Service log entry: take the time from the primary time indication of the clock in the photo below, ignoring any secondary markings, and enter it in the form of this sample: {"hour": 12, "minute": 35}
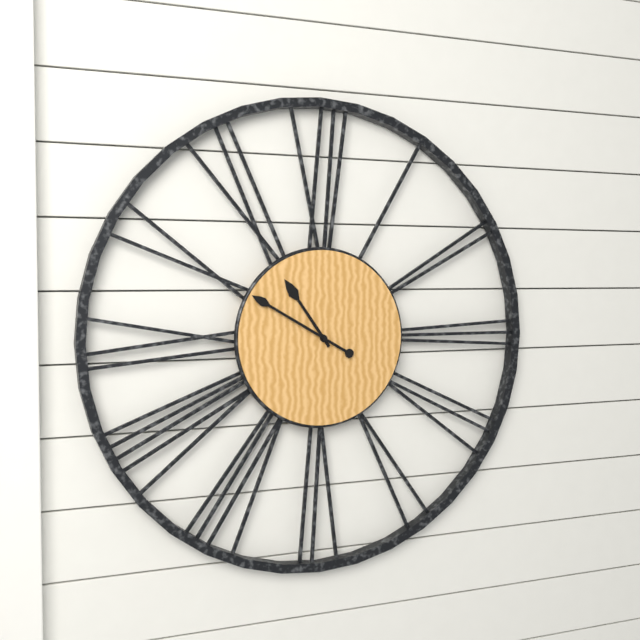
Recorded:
{"hour": 10, "minute": 50}
